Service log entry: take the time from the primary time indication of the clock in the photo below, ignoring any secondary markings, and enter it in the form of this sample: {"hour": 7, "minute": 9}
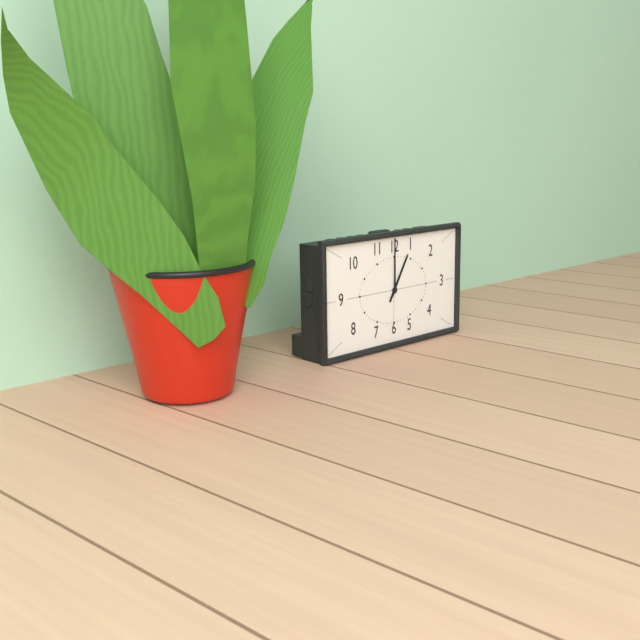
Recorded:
{"hour": 1, "minute": 0}
